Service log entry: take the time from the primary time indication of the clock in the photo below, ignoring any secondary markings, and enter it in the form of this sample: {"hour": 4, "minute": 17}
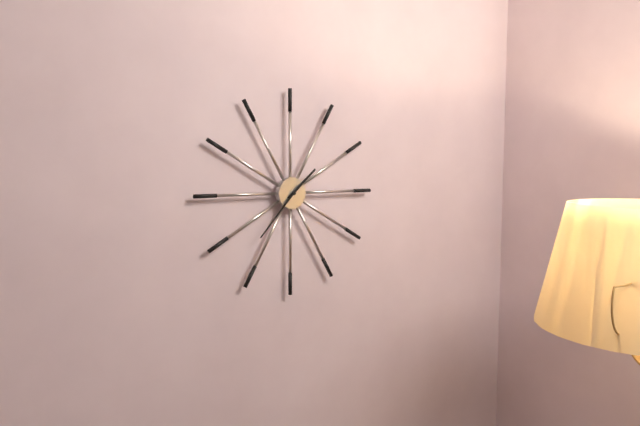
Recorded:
{"hour": 1, "minute": 37}
